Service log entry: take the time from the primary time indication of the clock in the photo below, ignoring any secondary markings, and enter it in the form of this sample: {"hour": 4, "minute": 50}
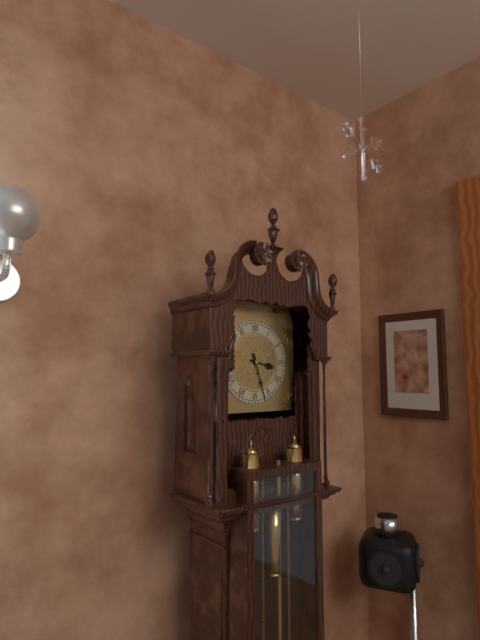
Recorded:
{"hour": 3, "minute": 27}
